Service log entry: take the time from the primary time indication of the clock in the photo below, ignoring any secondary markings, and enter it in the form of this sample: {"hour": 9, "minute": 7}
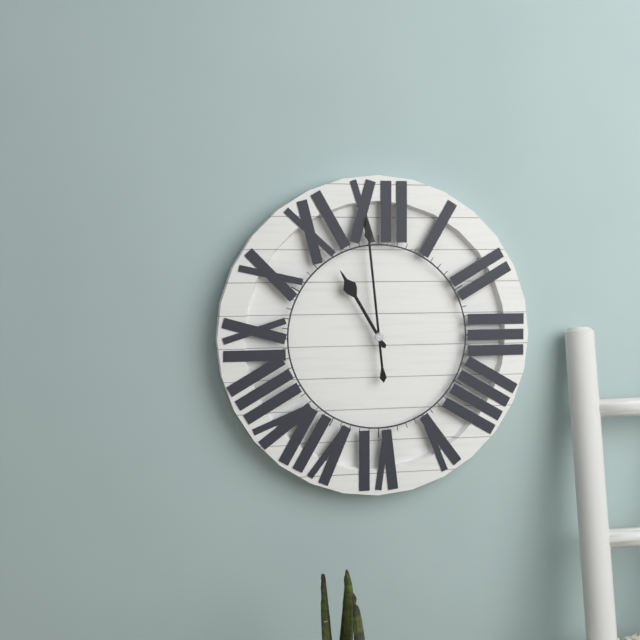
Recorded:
{"hour": 10, "minute": 59}
